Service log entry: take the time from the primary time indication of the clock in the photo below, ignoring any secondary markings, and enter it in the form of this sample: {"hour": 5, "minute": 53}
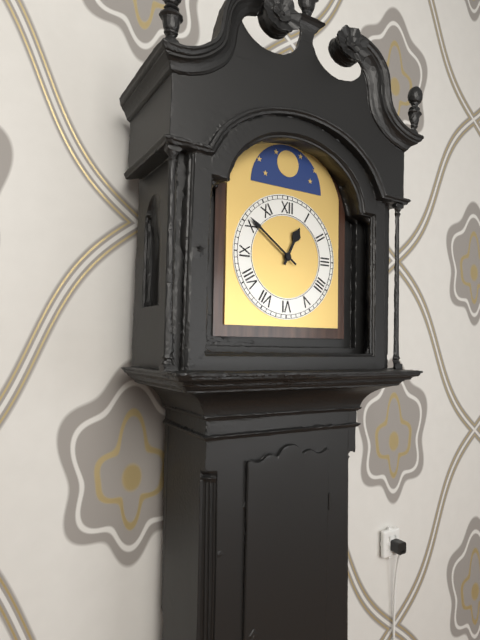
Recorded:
{"hour": 12, "minute": 51}
